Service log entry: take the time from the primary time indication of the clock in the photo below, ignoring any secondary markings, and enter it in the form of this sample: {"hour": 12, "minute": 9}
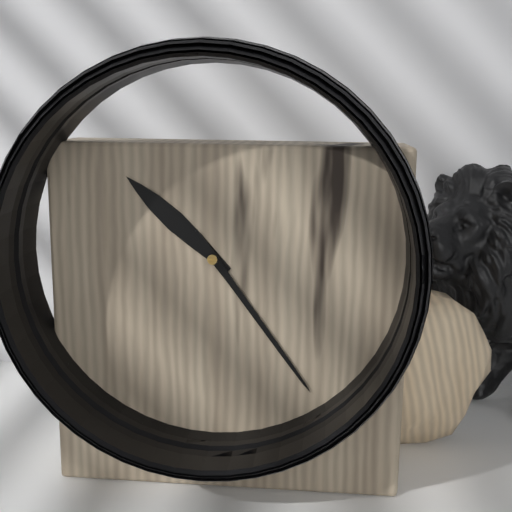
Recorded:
{"hour": 10, "minute": 24}
